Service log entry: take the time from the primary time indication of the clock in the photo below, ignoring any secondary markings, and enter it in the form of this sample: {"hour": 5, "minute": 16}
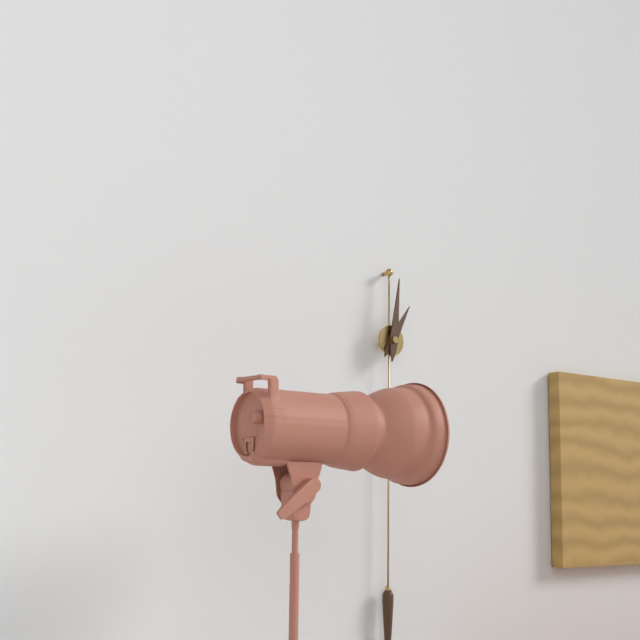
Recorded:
{"hour": 1, "minute": 1}
